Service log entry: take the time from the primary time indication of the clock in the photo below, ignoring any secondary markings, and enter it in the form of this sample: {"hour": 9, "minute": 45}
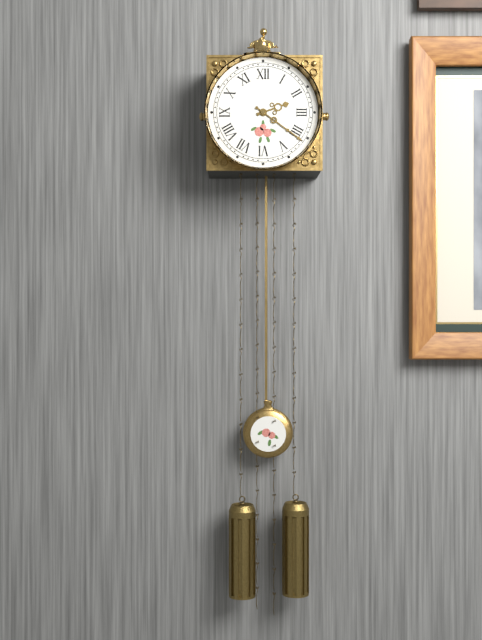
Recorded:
{"hour": 2, "minute": 21}
